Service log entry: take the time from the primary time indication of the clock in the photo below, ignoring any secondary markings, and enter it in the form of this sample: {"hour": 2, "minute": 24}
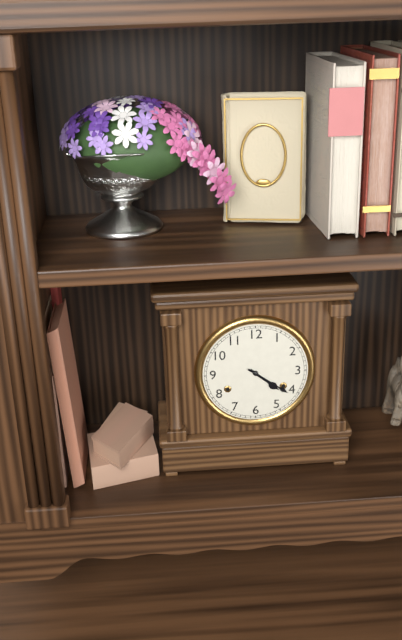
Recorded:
{"hour": 4, "minute": 21}
